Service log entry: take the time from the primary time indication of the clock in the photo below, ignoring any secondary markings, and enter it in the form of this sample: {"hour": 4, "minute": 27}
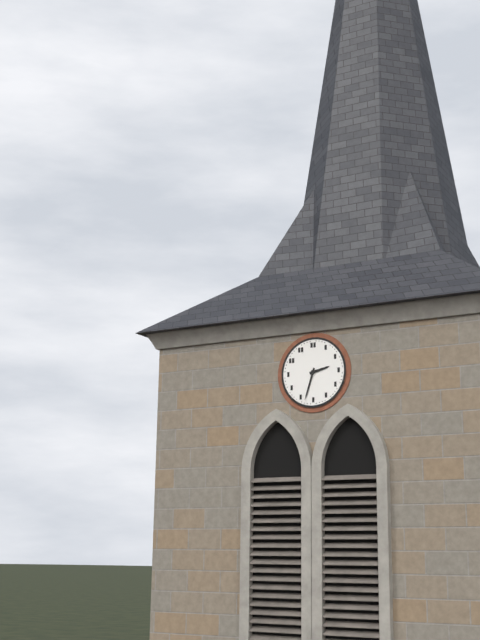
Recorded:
{"hour": 2, "minute": 33}
